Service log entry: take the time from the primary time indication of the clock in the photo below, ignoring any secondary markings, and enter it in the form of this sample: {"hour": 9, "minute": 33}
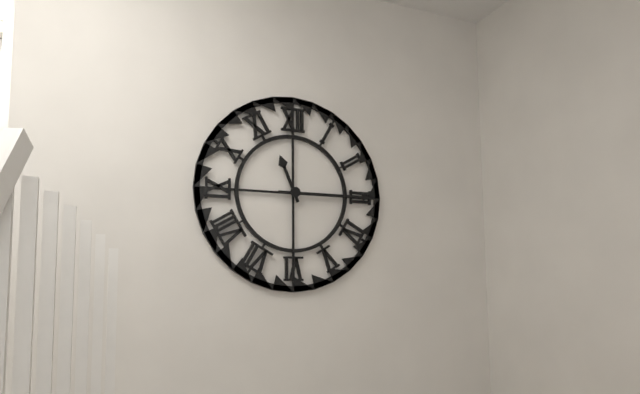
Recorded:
{"hour": 11, "minute": 15}
